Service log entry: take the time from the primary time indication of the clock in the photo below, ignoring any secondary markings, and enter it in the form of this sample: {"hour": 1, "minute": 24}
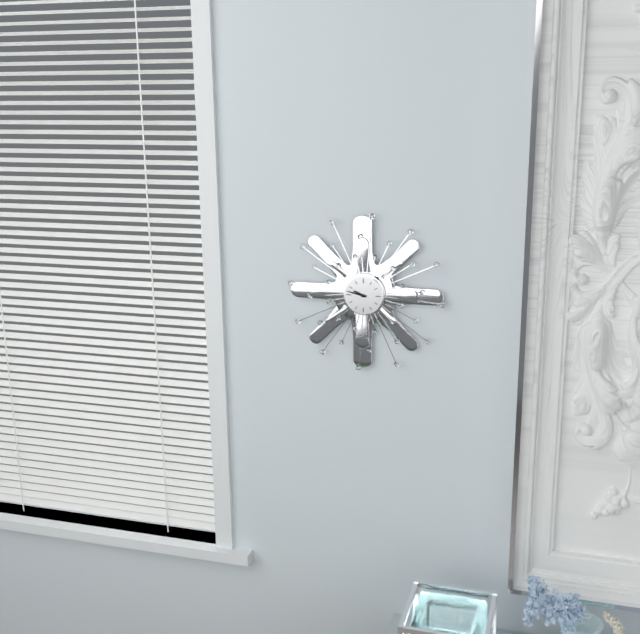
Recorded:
{"hour": 9, "minute": 47}
